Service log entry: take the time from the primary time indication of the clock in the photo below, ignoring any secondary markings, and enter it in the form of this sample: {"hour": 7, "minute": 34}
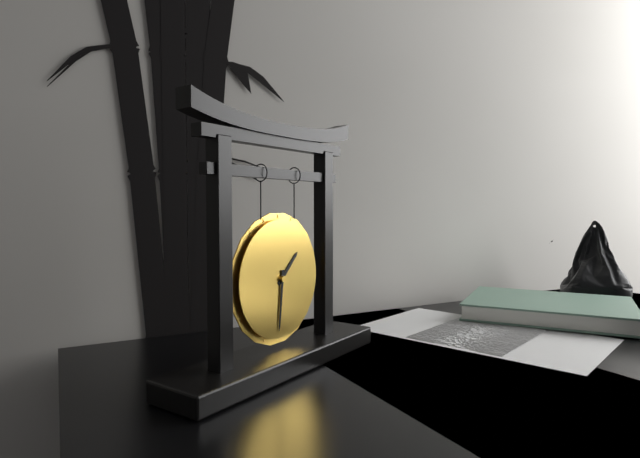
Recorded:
{"hour": 1, "minute": 31}
